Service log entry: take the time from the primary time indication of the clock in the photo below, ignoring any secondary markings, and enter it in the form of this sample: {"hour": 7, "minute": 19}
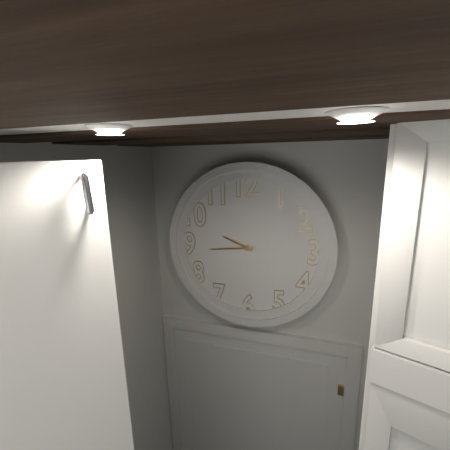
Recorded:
{"hour": 9, "minute": 44}
